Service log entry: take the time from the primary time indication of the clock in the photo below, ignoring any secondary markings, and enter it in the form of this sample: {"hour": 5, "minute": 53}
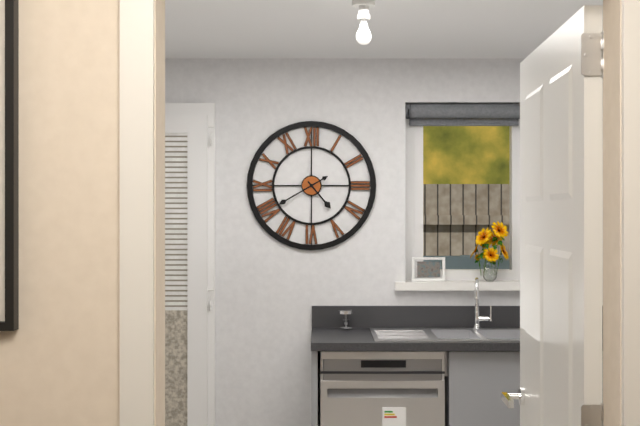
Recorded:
{"hour": 4, "minute": 40}
